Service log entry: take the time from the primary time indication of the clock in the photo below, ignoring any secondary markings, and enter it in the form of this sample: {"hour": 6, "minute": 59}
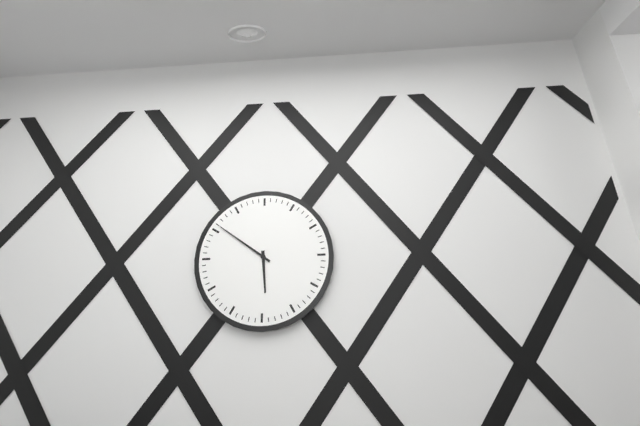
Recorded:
{"hour": 5, "minute": 51}
